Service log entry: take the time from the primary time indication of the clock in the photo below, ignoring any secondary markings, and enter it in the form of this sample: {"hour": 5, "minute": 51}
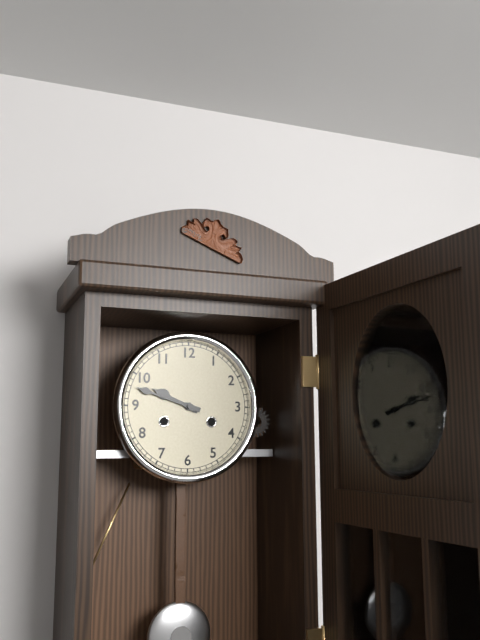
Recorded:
{"hour": 9, "minute": 48}
